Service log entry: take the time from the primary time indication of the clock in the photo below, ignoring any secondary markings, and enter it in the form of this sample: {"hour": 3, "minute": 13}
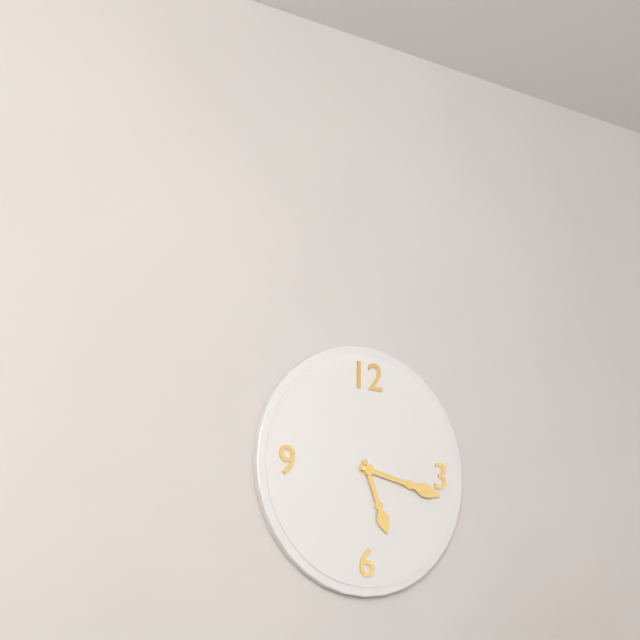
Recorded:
{"hour": 5, "minute": 17}
